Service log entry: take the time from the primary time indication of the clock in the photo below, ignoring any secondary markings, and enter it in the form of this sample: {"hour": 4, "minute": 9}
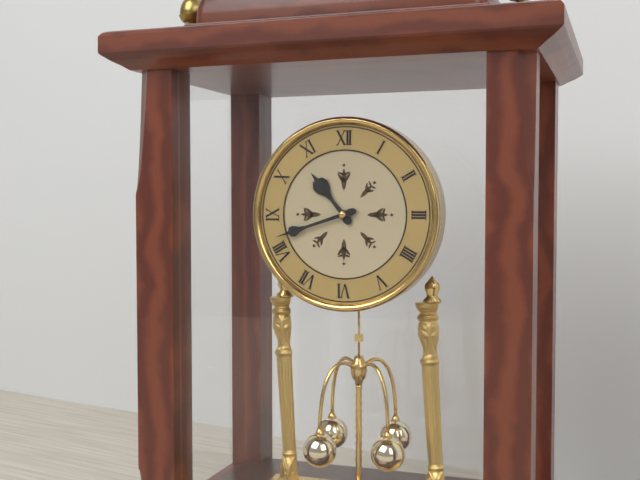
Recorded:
{"hour": 10, "minute": 42}
